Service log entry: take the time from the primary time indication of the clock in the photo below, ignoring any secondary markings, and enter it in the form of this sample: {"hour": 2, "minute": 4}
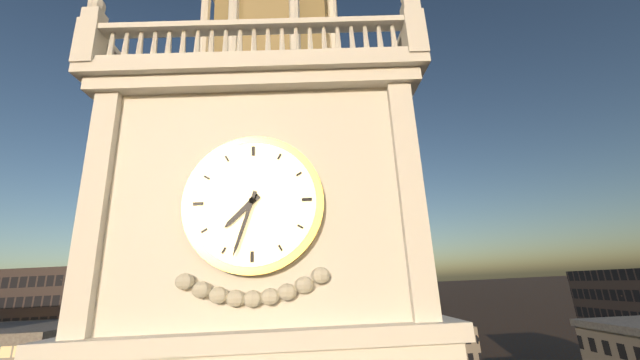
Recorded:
{"hour": 7, "minute": 33}
